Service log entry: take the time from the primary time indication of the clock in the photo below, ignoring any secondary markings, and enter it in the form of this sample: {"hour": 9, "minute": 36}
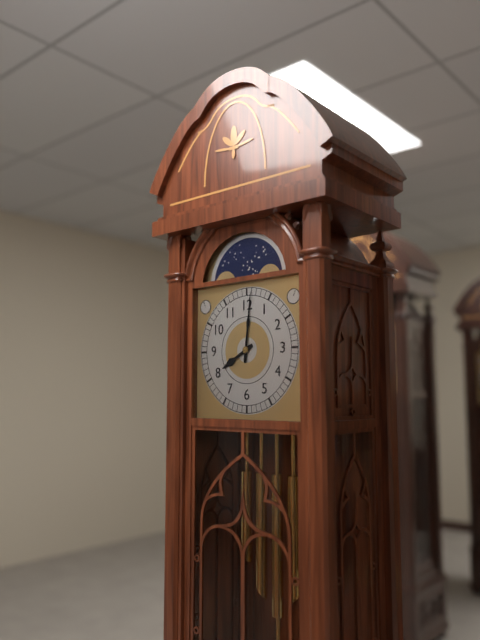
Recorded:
{"hour": 8, "minute": 1}
